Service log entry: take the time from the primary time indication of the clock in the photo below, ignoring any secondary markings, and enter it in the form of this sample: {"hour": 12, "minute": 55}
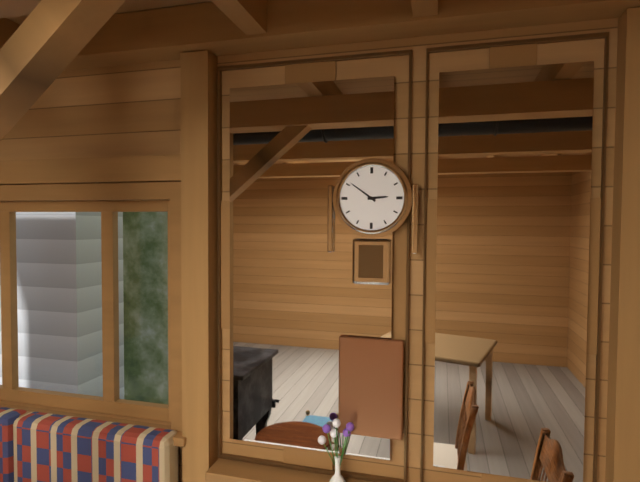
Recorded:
{"hour": 2, "minute": 51}
